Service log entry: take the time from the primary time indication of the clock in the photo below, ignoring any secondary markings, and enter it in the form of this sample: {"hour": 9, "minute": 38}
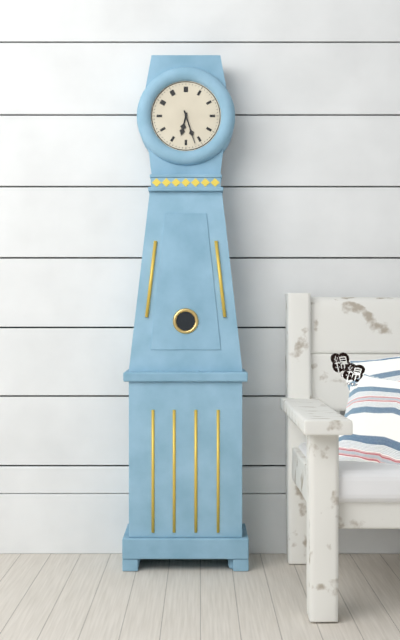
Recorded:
{"hour": 6, "minute": 27}
